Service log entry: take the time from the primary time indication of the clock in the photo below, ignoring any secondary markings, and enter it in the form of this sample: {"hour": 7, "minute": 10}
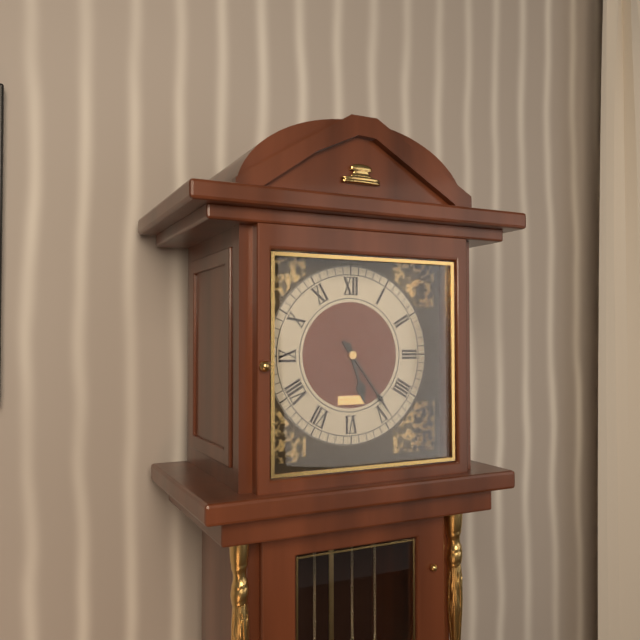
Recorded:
{"hour": 5, "minute": 24}
